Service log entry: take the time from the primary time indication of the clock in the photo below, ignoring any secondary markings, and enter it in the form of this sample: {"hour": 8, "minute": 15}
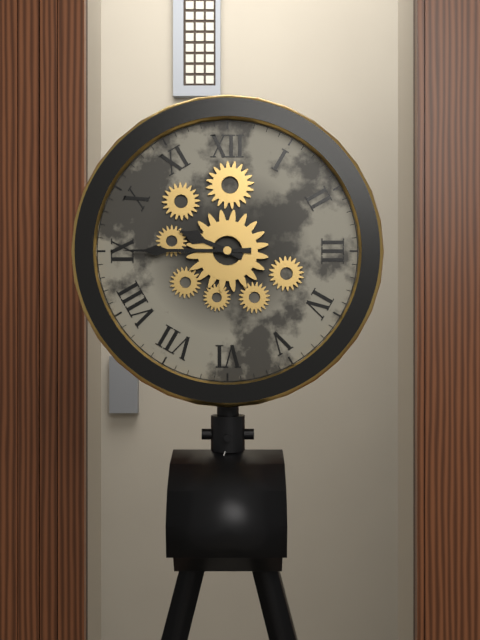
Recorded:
{"hour": 9, "minute": 45}
